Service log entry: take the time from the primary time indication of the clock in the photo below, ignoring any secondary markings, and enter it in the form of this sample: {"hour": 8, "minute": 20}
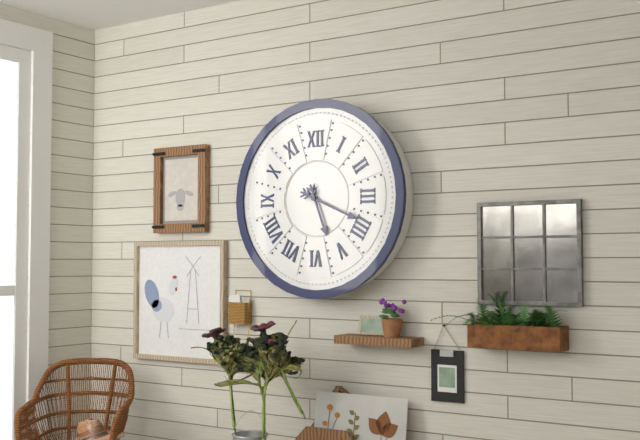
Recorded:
{"hour": 5, "minute": 19}
